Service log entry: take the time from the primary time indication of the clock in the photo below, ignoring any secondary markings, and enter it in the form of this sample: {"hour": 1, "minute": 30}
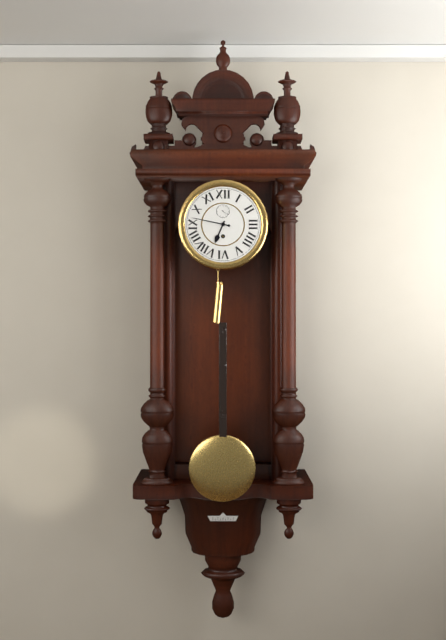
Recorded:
{"hour": 6, "minute": 47}
